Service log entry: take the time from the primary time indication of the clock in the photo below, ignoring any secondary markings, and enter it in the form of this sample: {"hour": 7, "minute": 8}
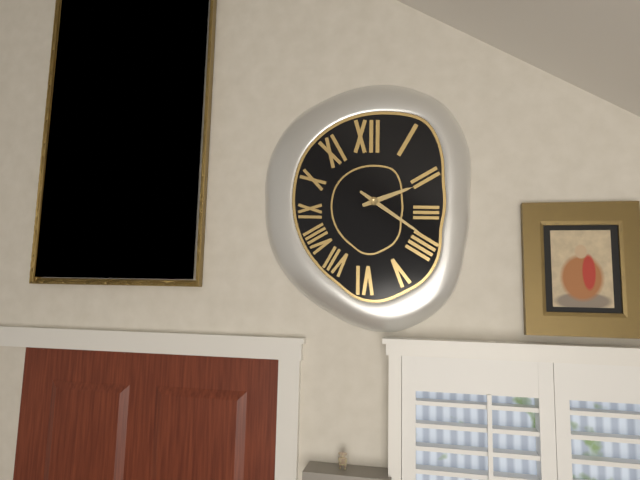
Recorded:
{"hour": 2, "minute": 21}
